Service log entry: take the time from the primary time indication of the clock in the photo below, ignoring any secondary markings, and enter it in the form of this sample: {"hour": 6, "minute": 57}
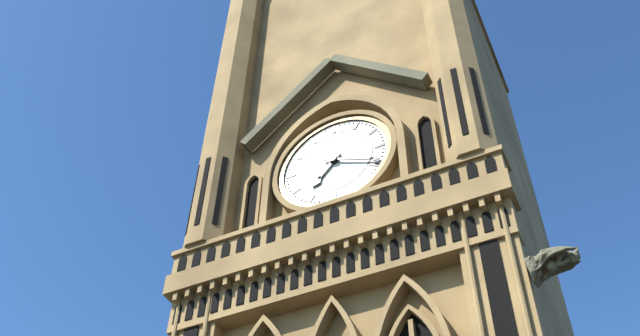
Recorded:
{"hour": 7, "minute": 19}
